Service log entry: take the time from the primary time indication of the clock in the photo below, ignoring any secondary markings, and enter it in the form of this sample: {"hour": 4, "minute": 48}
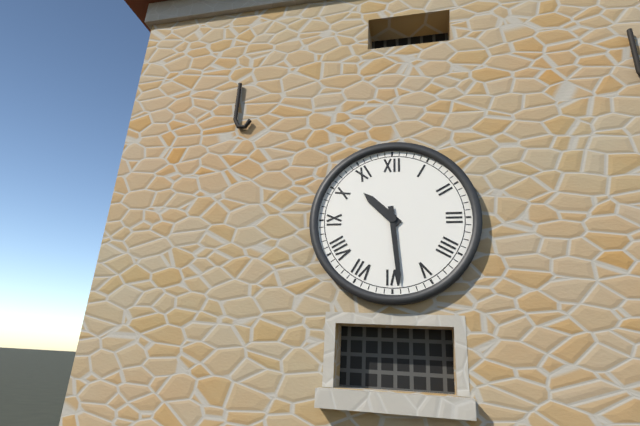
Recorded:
{"hour": 10, "minute": 29}
